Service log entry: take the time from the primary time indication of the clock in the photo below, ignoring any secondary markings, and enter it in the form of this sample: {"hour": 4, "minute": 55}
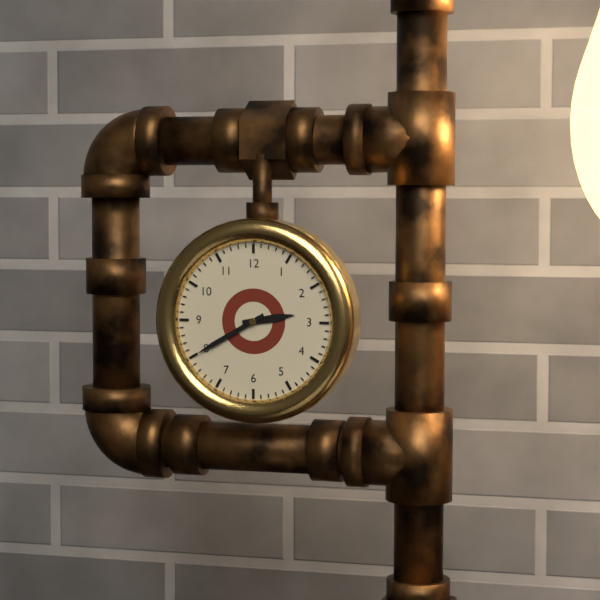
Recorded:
{"hour": 2, "minute": 40}
